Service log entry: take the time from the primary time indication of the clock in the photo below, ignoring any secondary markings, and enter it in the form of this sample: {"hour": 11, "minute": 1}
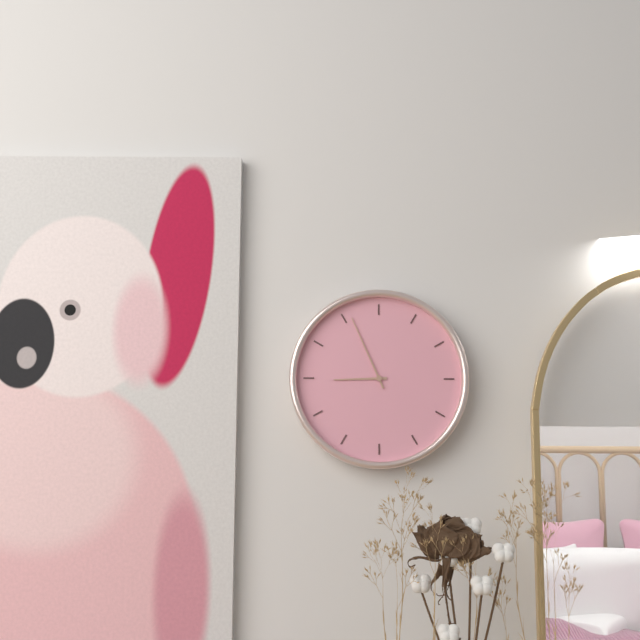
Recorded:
{"hour": 8, "minute": 56}
